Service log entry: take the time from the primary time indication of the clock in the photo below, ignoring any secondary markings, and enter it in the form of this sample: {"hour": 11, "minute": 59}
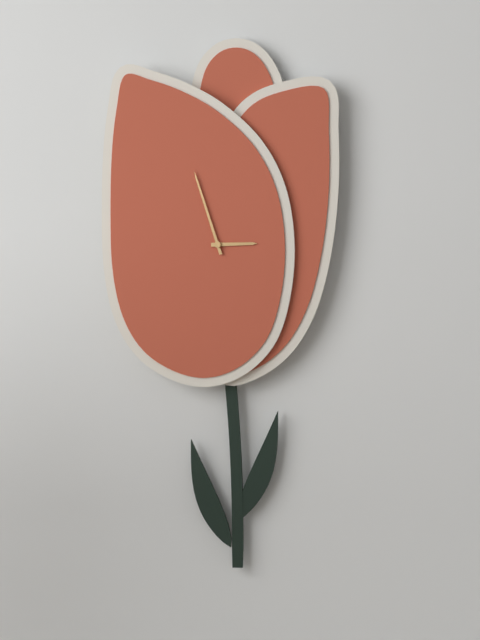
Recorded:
{"hour": 2, "minute": 57}
